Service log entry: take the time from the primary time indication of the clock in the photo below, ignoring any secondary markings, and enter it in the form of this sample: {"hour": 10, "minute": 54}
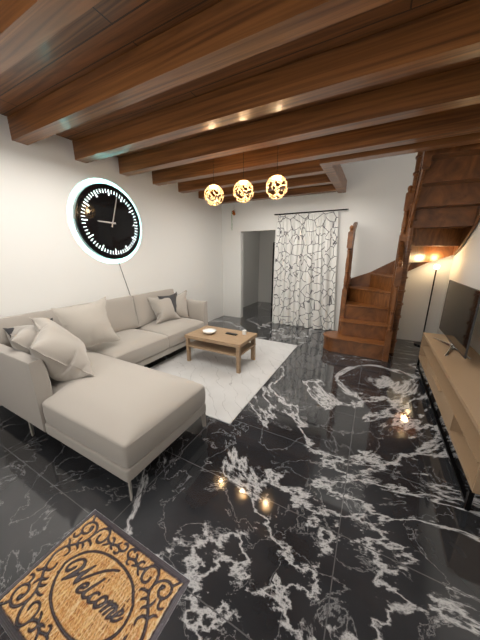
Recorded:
{"hour": 9, "minute": 3}
